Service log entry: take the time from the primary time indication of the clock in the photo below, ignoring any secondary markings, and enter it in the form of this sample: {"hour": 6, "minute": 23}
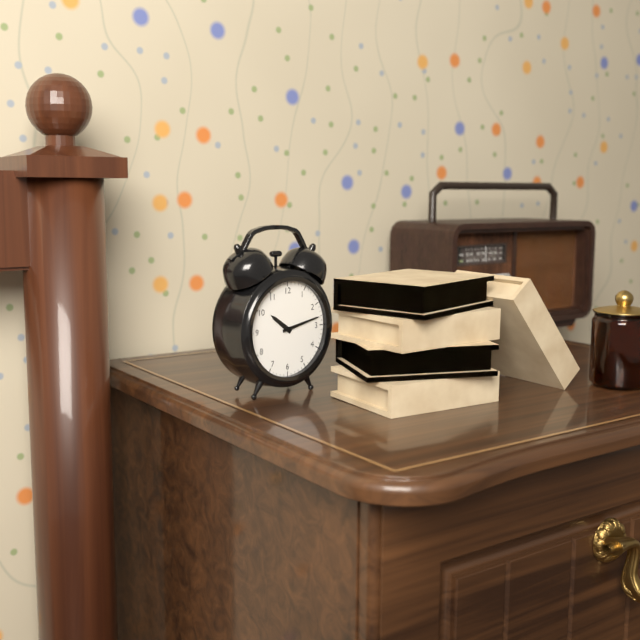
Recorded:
{"hour": 10, "minute": 13}
